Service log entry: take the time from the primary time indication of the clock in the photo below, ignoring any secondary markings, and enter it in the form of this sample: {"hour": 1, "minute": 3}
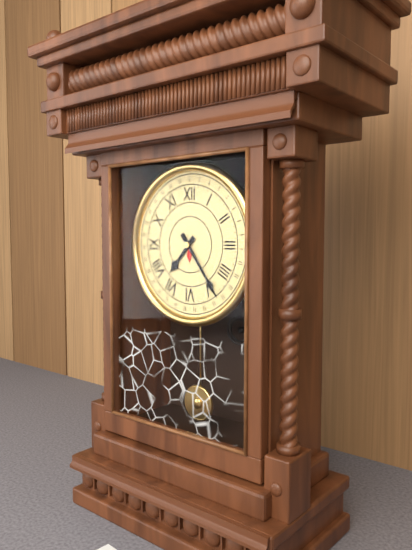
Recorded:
{"hour": 7, "minute": 24}
